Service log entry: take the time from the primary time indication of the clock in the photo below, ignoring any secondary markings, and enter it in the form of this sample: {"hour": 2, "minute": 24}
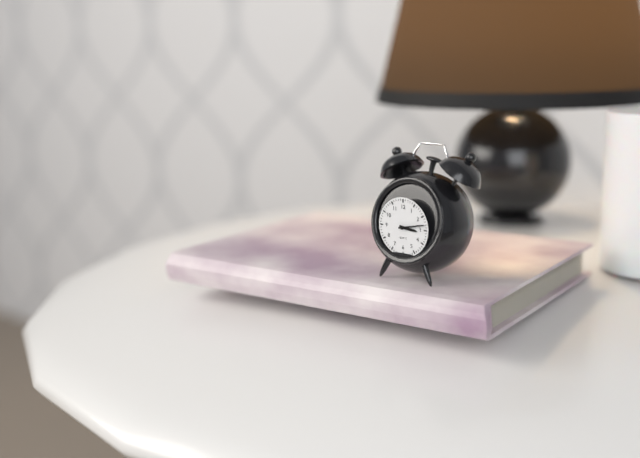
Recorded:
{"hour": 3, "minute": 13}
